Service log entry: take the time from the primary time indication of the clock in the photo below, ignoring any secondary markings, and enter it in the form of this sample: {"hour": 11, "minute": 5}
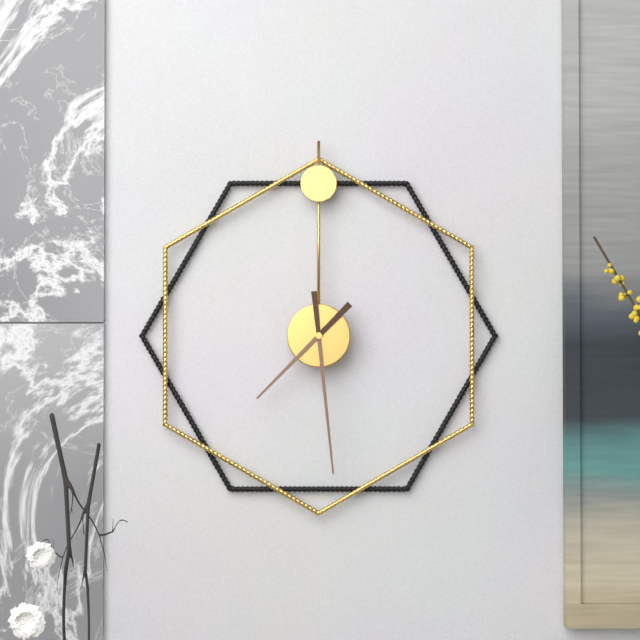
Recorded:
{"hour": 7, "minute": 29}
